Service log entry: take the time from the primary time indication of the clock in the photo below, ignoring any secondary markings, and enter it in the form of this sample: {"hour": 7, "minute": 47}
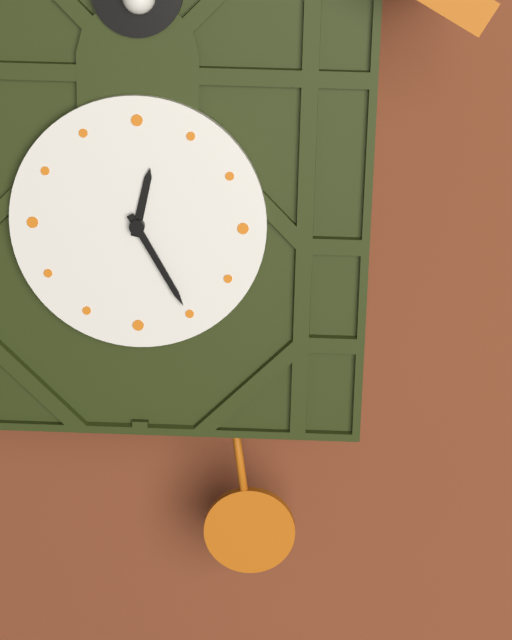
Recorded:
{"hour": 12, "minute": 25}
